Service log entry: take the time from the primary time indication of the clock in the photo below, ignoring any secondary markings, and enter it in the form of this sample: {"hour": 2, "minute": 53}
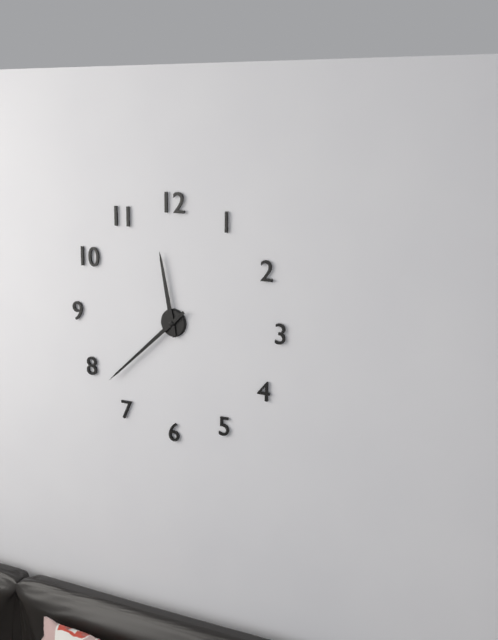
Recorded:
{"hour": 11, "minute": 38}
